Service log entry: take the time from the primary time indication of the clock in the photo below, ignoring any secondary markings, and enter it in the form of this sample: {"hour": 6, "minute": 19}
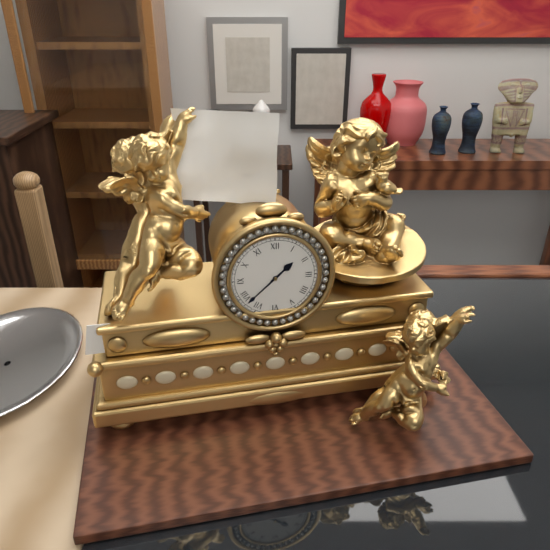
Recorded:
{"hour": 1, "minute": 38}
